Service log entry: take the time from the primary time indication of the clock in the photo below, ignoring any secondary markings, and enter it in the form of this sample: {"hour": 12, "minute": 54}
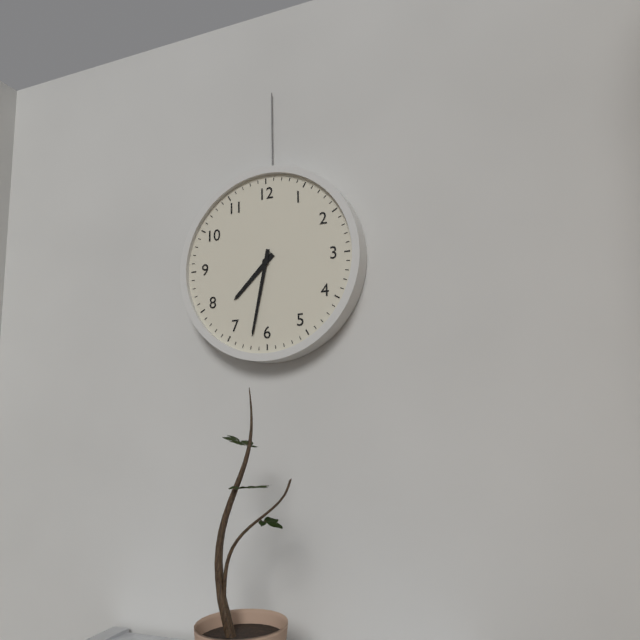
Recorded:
{"hour": 7, "minute": 32}
